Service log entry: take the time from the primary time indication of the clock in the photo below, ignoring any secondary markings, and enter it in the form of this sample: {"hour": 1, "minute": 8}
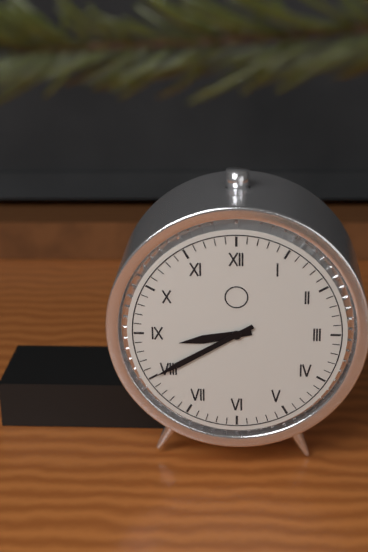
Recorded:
{"hour": 8, "minute": 40}
